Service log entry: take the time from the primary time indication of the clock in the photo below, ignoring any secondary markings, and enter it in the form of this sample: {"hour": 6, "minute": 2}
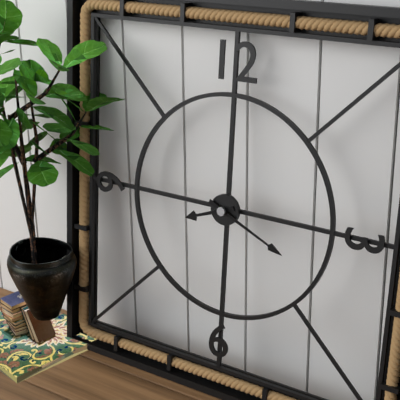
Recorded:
{"hour": 8, "minute": 19}
